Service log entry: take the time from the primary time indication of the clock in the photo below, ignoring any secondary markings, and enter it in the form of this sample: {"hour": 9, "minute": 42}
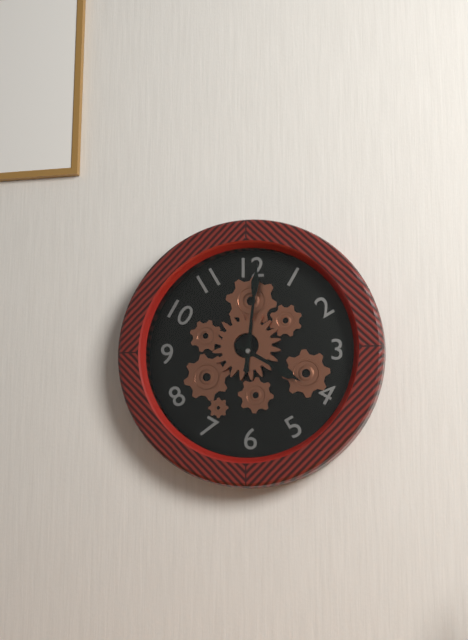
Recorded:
{"hour": 4, "minute": 1}
